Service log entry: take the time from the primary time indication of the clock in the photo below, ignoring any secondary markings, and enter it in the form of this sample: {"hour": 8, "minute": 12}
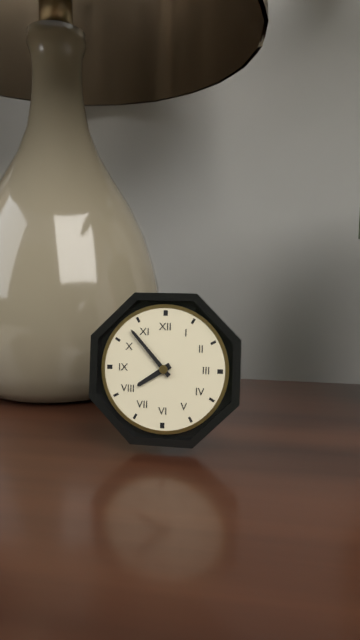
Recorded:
{"hour": 7, "minute": 53}
